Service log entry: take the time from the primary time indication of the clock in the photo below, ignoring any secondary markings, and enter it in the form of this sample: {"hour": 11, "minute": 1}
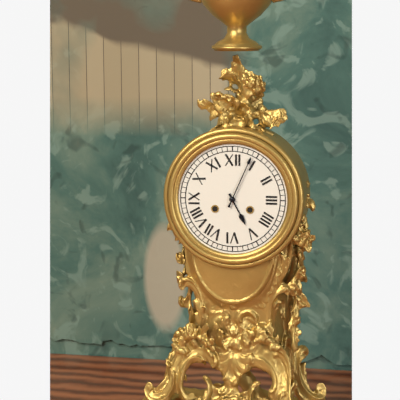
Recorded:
{"hour": 5, "minute": 4}
